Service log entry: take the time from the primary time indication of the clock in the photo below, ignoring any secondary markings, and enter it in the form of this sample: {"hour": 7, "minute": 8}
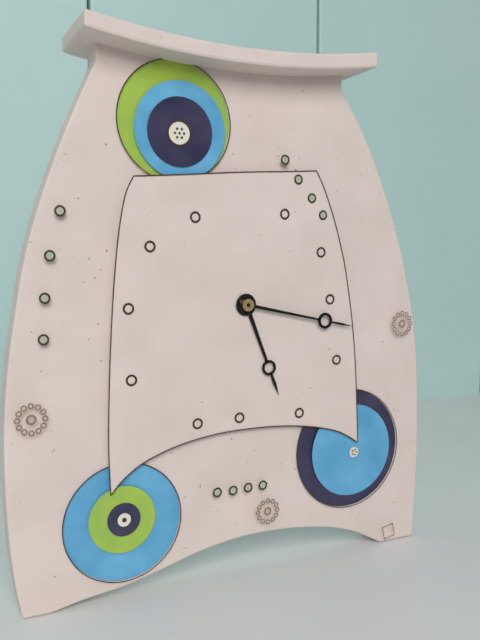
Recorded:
{"hour": 5, "minute": 17}
